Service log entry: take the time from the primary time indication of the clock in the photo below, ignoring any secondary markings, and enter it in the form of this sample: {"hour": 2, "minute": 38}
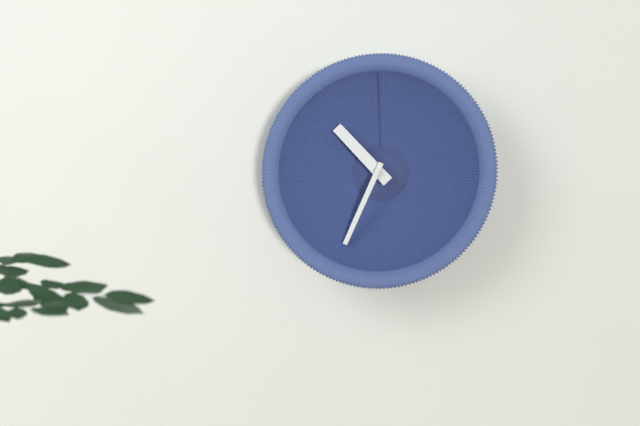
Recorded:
{"hour": 10, "minute": 34}
